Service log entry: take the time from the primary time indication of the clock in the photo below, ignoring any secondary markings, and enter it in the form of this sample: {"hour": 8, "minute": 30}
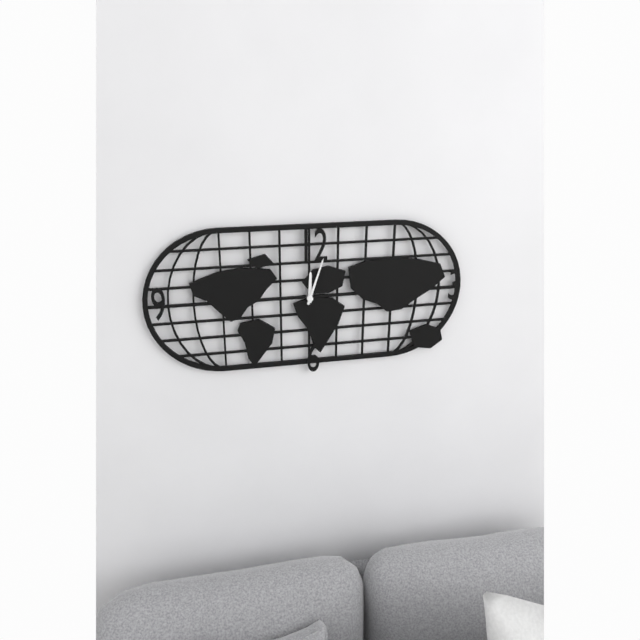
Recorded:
{"hour": 12, "minute": 3}
